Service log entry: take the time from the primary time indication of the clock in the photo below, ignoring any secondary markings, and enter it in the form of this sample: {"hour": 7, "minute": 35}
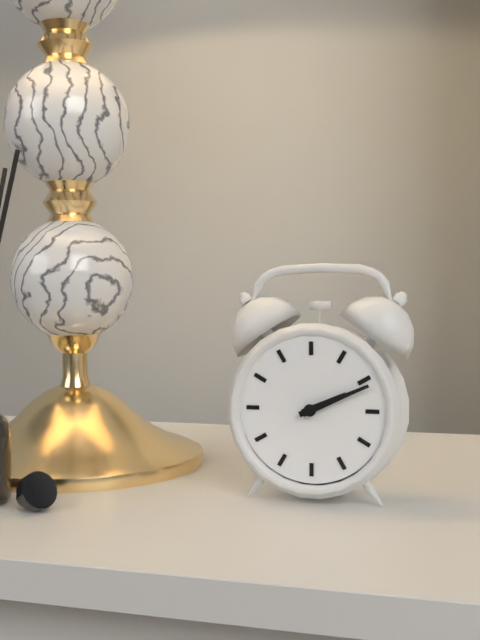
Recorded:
{"hour": 2, "minute": 11}
